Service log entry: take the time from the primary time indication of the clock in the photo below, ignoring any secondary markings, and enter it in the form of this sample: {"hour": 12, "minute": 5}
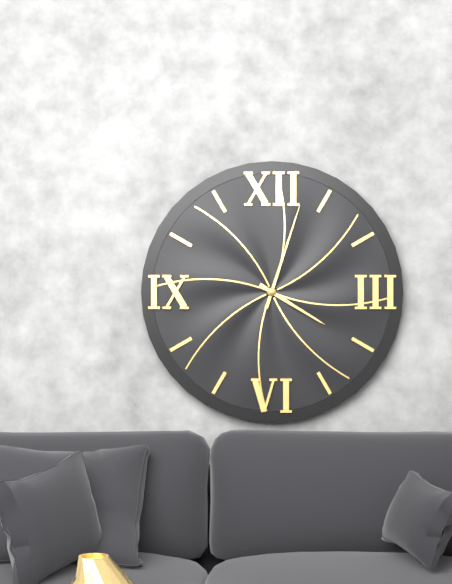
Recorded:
{"hour": 4, "minute": 3}
